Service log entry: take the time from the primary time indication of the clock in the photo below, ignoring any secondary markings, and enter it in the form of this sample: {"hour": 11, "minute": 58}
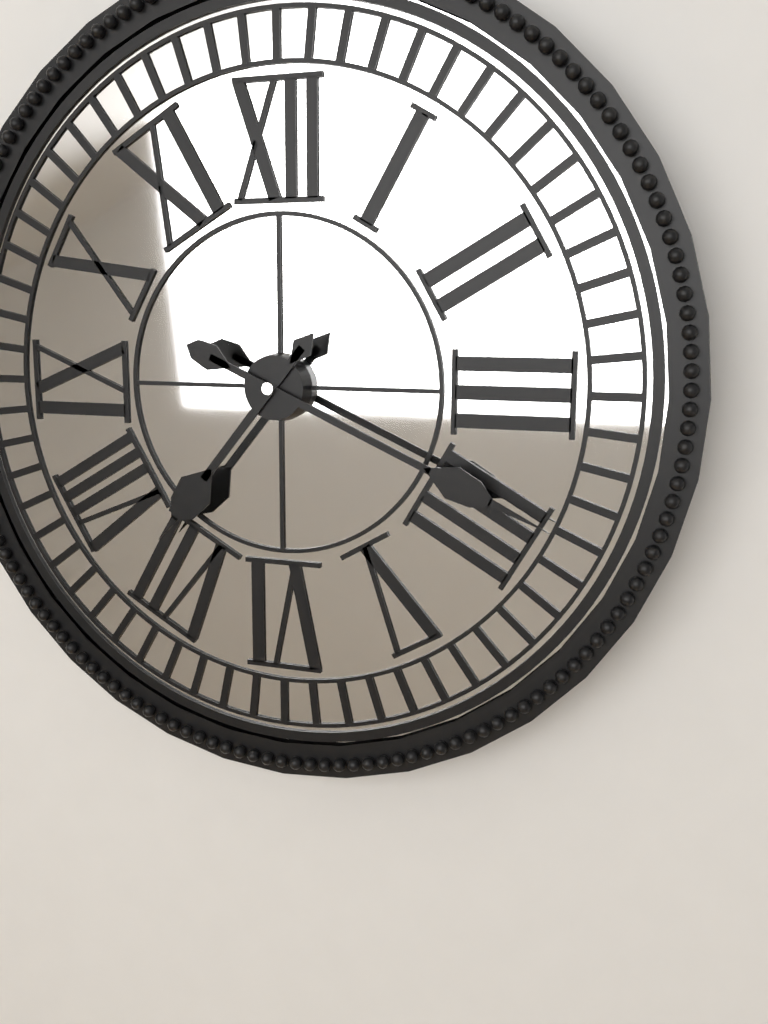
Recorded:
{"hour": 7, "minute": 19}
